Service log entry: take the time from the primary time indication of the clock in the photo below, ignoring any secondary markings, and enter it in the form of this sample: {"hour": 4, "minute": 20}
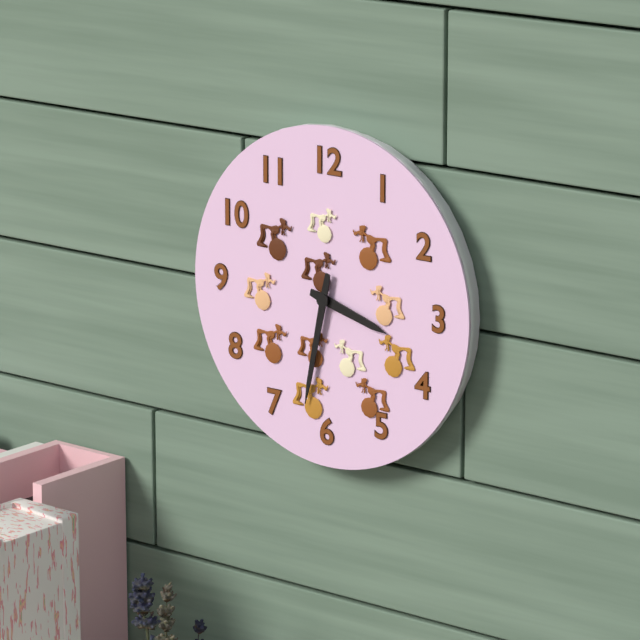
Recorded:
{"hour": 3, "minute": 32}
